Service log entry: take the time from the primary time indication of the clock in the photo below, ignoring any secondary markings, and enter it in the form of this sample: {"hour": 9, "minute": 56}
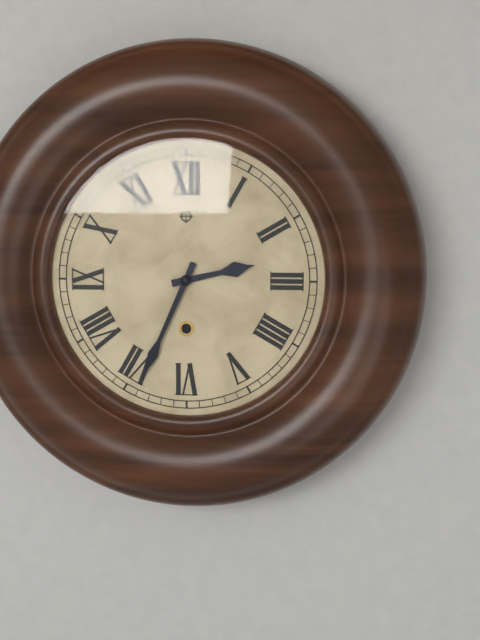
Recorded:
{"hour": 2, "minute": 34}
